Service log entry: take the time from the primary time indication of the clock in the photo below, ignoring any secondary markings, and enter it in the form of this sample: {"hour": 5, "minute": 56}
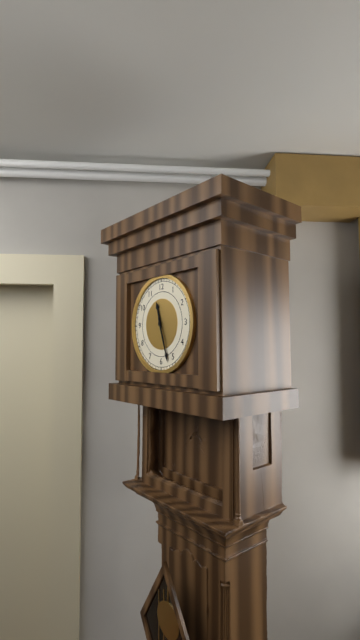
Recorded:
{"hour": 11, "minute": 27}
